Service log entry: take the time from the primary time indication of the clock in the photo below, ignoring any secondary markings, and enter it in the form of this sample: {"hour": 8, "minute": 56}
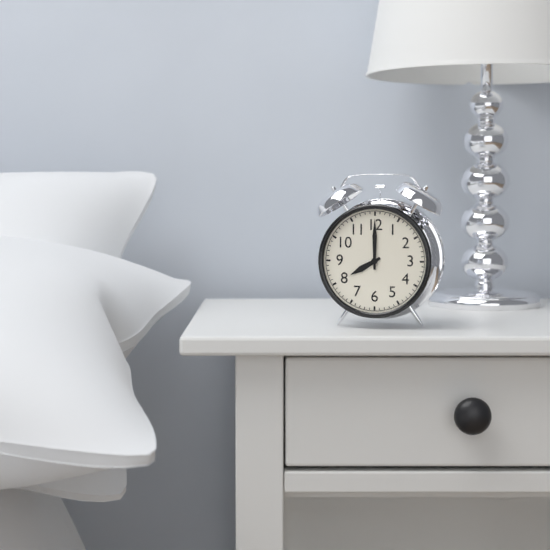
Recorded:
{"hour": 8, "minute": 0}
